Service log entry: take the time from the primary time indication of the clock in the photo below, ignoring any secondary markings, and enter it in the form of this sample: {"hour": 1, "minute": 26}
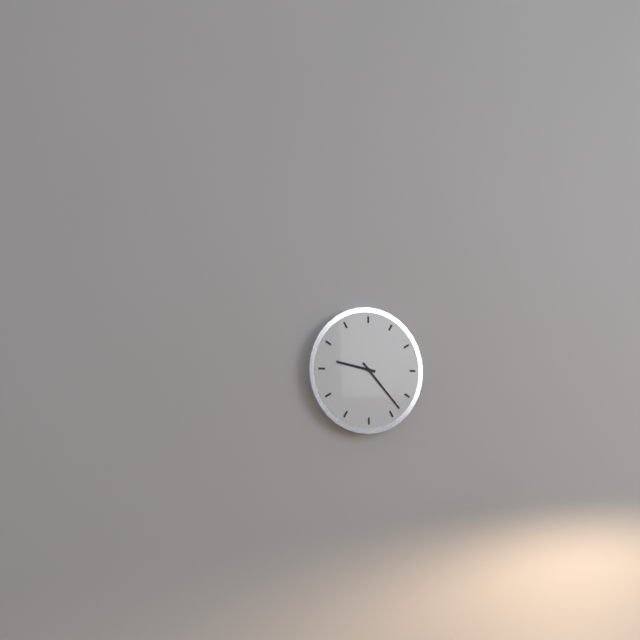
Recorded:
{"hour": 9, "minute": 23}
